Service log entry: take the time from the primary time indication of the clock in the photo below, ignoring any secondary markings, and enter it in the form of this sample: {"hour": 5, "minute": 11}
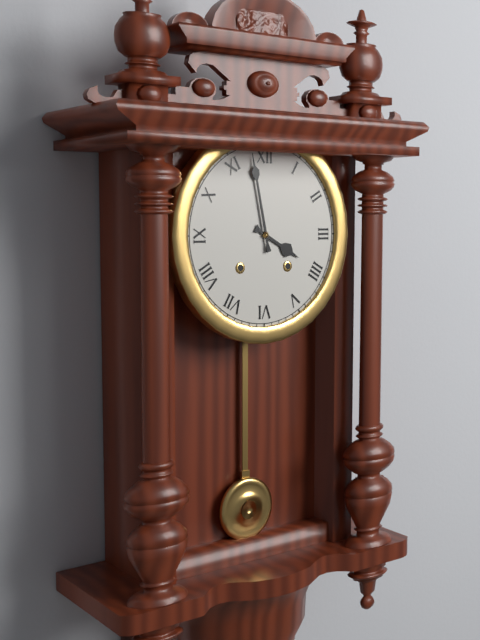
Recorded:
{"hour": 3, "minute": 58}
